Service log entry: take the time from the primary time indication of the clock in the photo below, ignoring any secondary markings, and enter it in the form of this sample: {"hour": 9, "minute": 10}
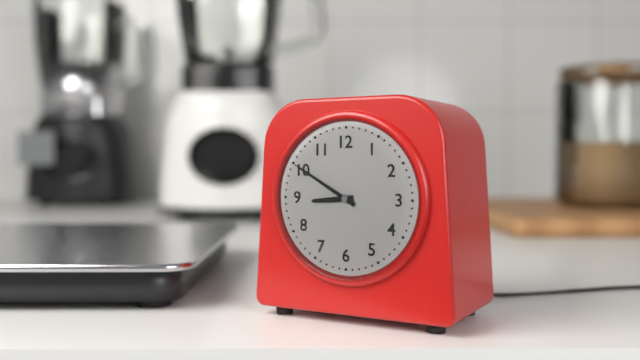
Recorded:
{"hour": 8, "minute": 50}
